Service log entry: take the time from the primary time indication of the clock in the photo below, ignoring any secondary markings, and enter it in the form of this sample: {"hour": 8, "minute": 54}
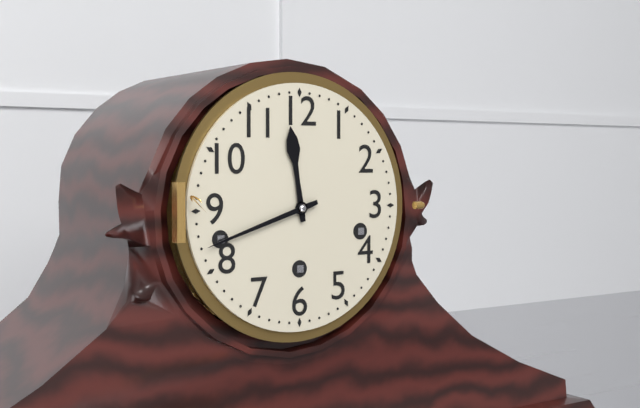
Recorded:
{"hour": 11, "minute": 42}
